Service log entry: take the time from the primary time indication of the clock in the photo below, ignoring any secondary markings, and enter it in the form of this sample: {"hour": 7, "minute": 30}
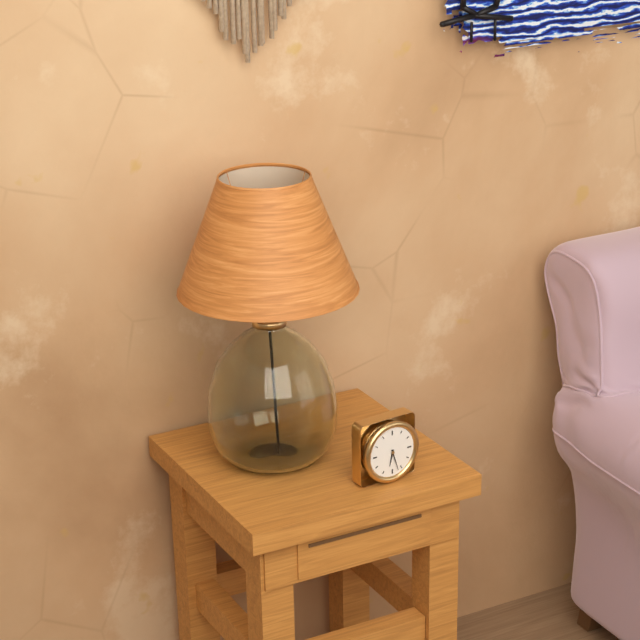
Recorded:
{"hour": 6, "minute": 27}
